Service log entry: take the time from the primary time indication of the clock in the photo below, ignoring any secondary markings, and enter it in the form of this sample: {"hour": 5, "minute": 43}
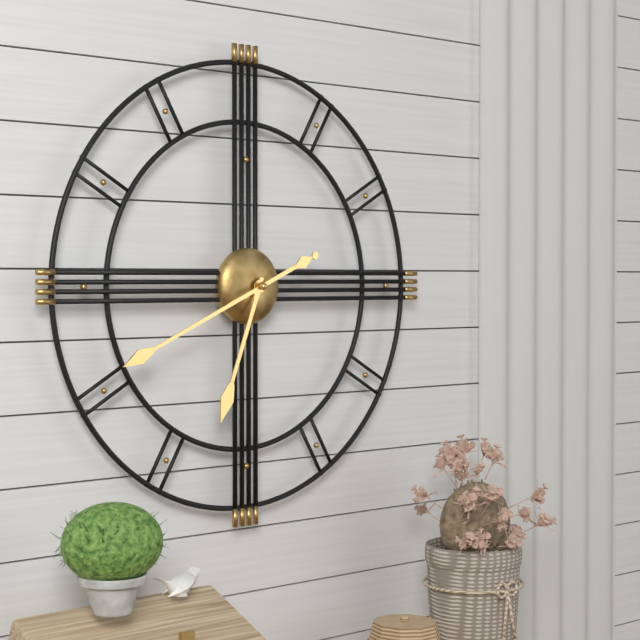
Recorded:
{"hour": 6, "minute": 41}
